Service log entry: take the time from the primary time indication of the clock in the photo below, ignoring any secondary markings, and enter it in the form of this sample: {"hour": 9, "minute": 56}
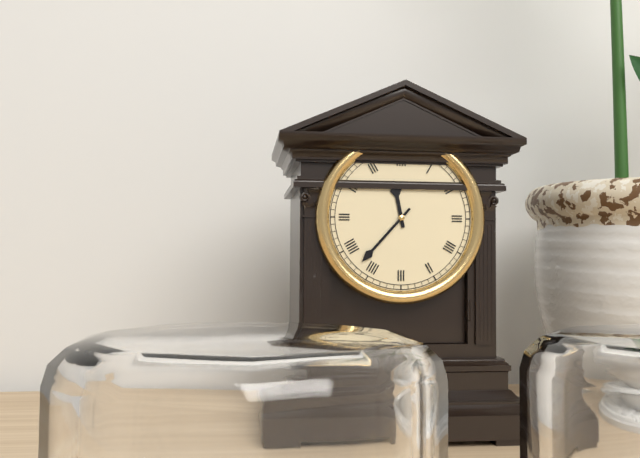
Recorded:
{"hour": 11, "minute": 37}
